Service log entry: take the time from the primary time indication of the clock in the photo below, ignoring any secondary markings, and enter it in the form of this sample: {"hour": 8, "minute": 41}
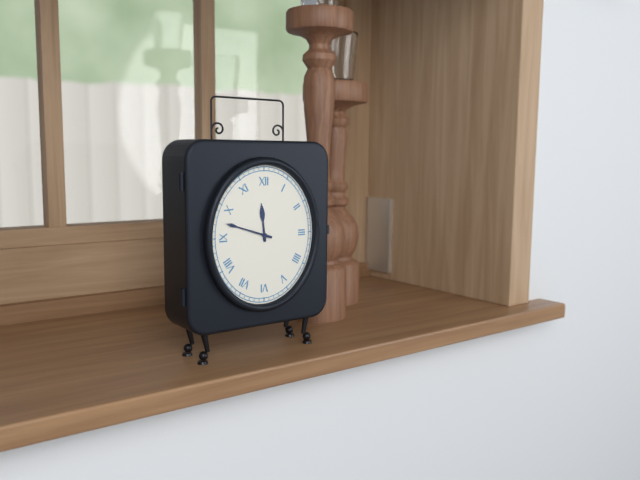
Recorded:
{"hour": 11, "minute": 48}
